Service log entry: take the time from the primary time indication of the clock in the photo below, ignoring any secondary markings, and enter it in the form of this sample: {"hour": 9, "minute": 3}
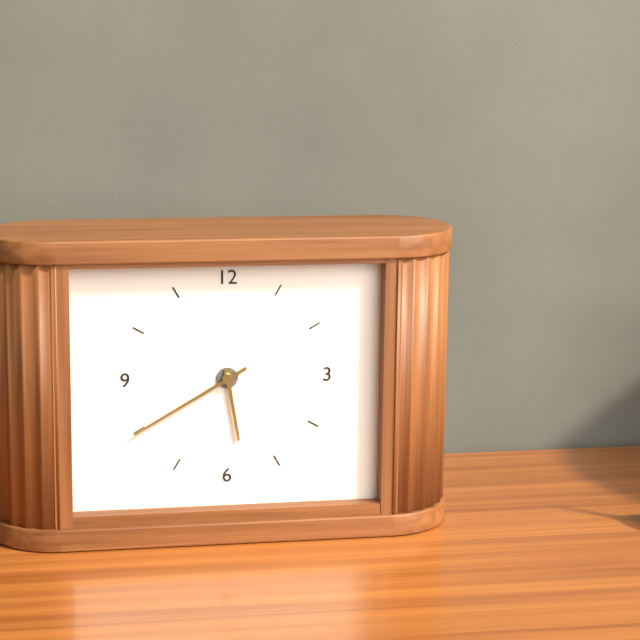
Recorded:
{"hour": 5, "minute": 40}
